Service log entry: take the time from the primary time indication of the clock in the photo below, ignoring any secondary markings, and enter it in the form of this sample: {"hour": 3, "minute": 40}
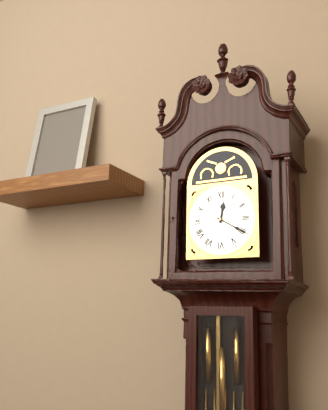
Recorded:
{"hour": 12, "minute": 20}
